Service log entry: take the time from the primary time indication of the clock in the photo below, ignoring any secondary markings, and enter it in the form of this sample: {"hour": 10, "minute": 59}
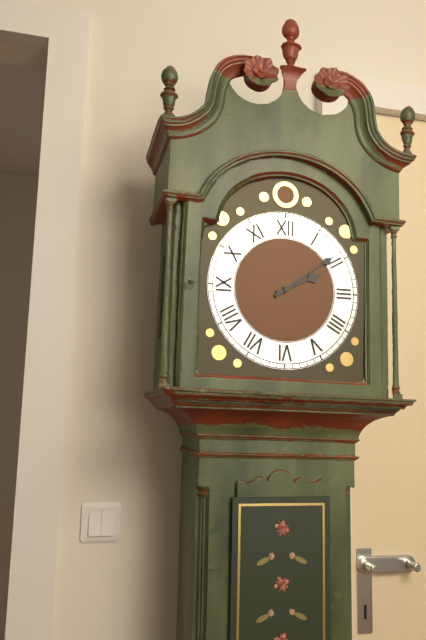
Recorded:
{"hour": 2, "minute": 9}
